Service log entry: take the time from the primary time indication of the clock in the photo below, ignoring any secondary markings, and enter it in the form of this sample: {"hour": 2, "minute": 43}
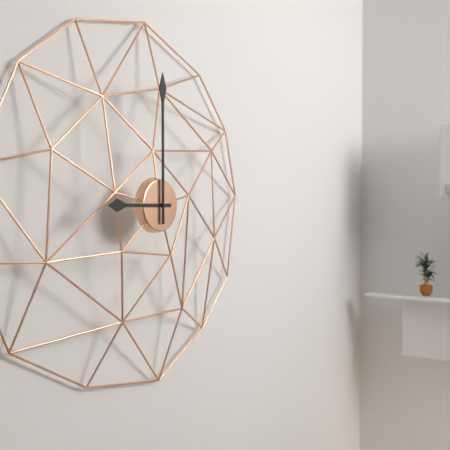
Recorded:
{"hour": 9, "minute": 0}
